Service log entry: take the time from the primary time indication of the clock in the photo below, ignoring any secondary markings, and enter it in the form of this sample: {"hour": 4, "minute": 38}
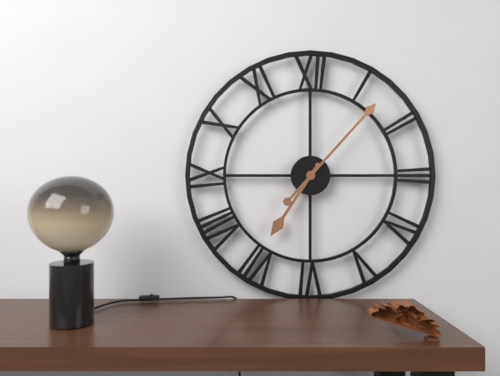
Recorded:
{"hour": 7, "minute": 7}
